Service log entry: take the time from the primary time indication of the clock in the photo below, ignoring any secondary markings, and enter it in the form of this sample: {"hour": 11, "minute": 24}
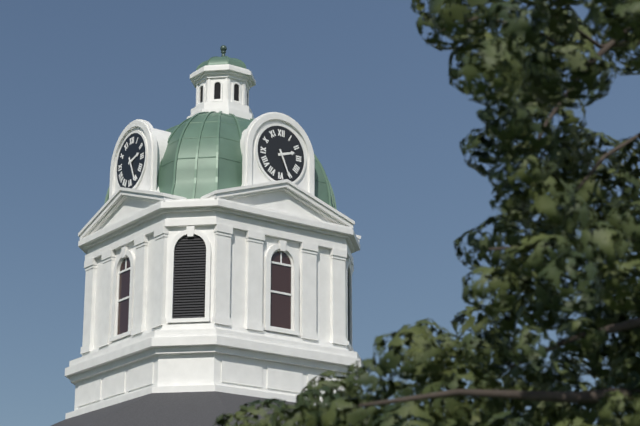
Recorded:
{"hour": 2, "minute": 26}
